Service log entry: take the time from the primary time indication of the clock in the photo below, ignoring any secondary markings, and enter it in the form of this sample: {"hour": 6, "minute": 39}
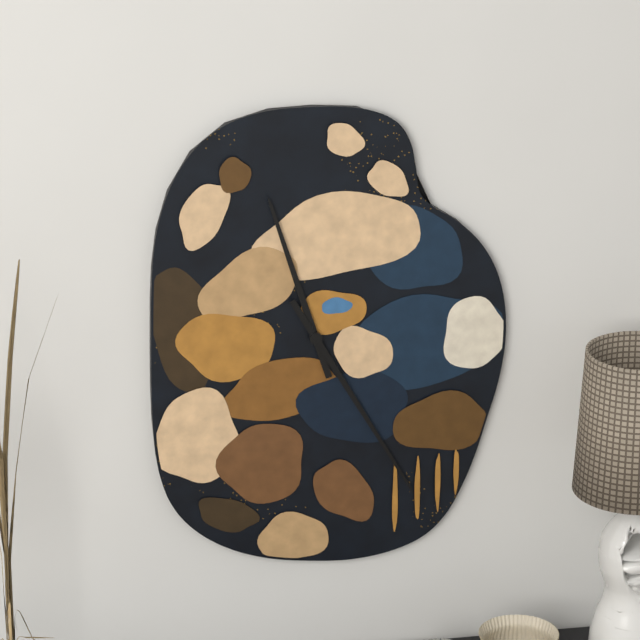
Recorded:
{"hour": 11, "minute": 25}
